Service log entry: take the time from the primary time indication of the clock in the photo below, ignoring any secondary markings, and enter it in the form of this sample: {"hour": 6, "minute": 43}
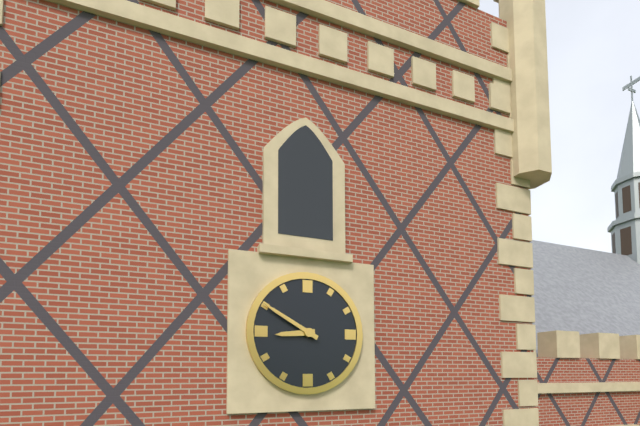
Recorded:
{"hour": 8, "minute": 50}
